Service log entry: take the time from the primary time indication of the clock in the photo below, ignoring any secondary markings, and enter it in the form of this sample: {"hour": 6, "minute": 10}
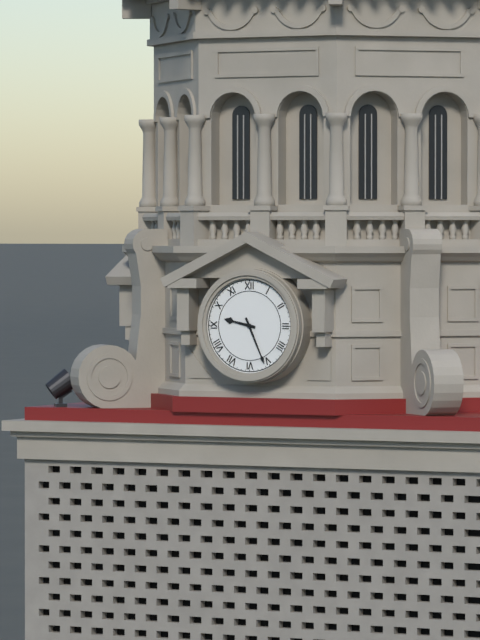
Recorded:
{"hour": 9, "minute": 26}
